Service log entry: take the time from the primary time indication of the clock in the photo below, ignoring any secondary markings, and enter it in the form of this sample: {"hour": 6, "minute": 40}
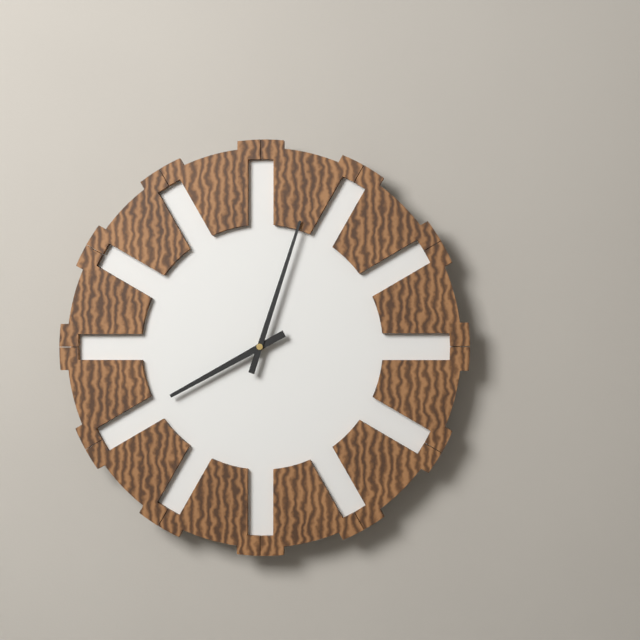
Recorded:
{"hour": 8, "minute": 3}
